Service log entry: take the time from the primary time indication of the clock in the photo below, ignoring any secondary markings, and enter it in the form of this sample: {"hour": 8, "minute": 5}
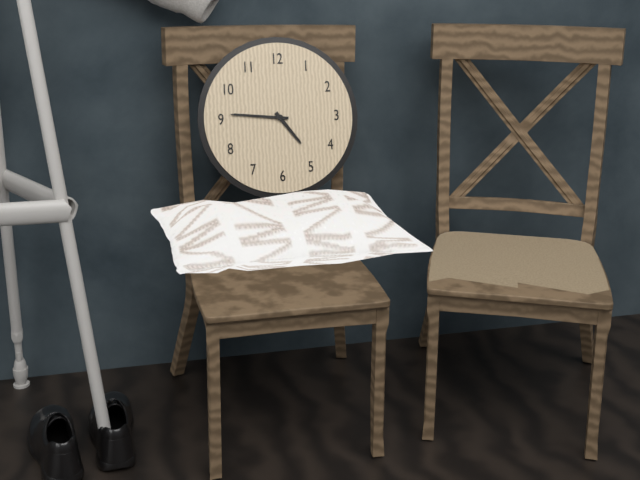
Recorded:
{"hour": 4, "minute": 46}
